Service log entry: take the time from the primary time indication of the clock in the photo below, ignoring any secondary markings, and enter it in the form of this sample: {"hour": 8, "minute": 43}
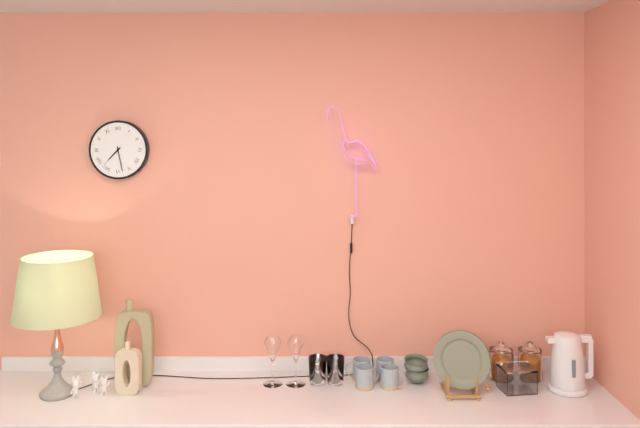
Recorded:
{"hour": 7, "minute": 28}
